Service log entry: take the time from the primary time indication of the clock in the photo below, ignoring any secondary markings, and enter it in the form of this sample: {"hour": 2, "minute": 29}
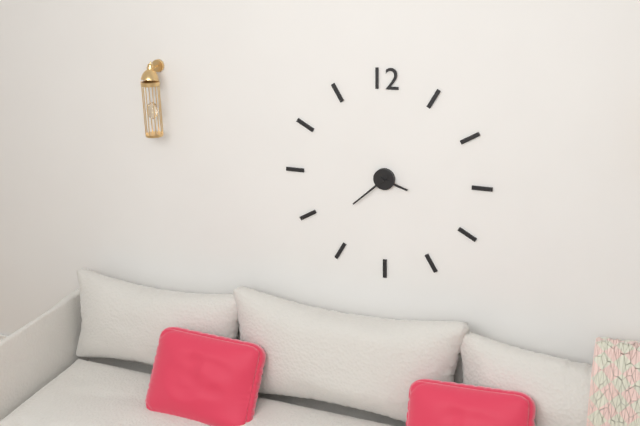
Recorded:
{"hour": 3, "minute": 38}
